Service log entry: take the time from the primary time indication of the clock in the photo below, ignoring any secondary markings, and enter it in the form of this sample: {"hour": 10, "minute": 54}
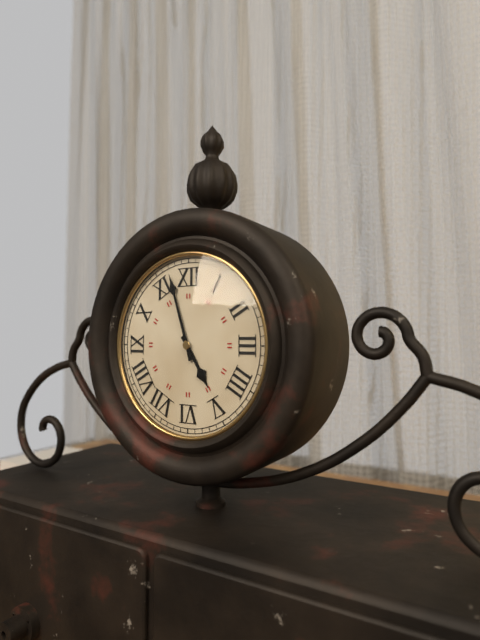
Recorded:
{"hour": 4, "minute": 57}
